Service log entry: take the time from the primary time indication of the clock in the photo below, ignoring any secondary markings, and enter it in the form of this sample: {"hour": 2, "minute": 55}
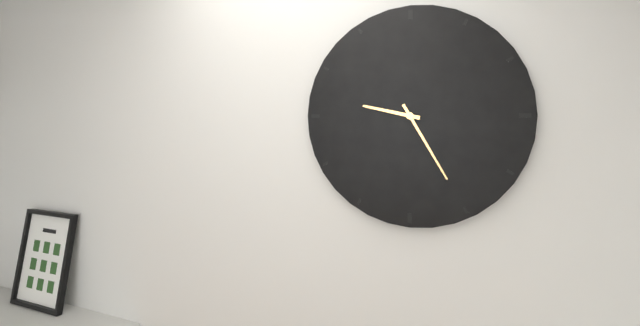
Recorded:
{"hour": 9, "minute": 25}
